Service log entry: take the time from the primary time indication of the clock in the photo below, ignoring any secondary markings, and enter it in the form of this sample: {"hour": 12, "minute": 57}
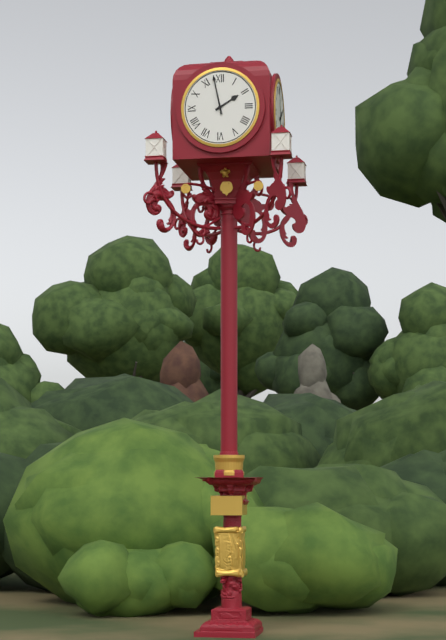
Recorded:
{"hour": 1, "minute": 58}
